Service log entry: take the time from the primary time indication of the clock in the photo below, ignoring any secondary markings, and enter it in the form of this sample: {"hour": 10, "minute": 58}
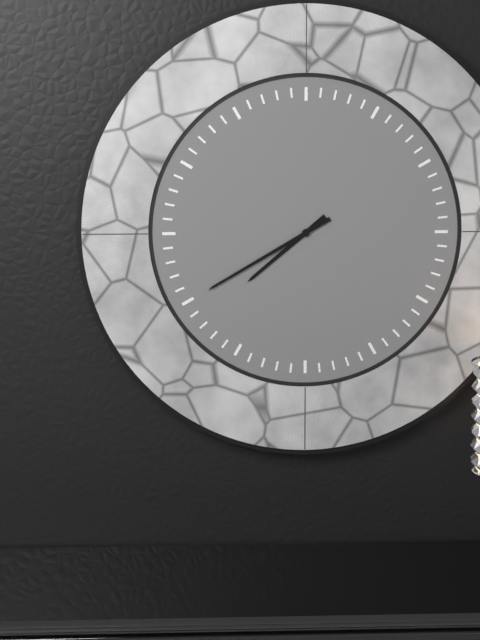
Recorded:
{"hour": 7, "minute": 40}
